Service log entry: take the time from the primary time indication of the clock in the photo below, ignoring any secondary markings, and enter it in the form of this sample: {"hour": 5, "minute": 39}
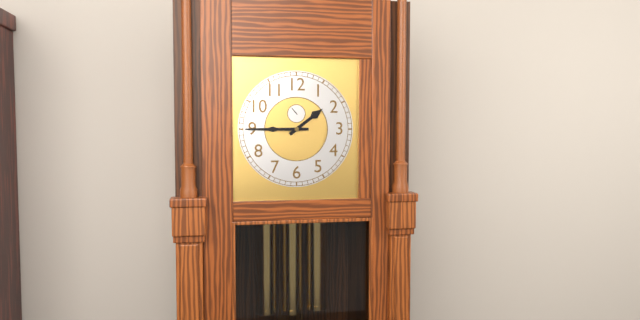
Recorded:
{"hour": 1, "minute": 45}
